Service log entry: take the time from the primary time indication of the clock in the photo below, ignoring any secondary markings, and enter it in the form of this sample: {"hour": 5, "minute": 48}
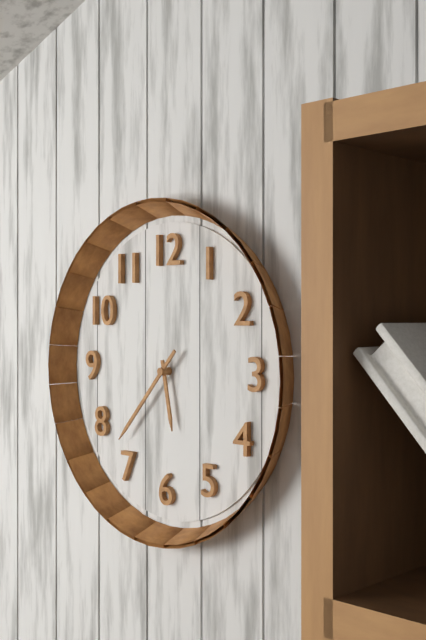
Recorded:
{"hour": 5, "minute": 37}
